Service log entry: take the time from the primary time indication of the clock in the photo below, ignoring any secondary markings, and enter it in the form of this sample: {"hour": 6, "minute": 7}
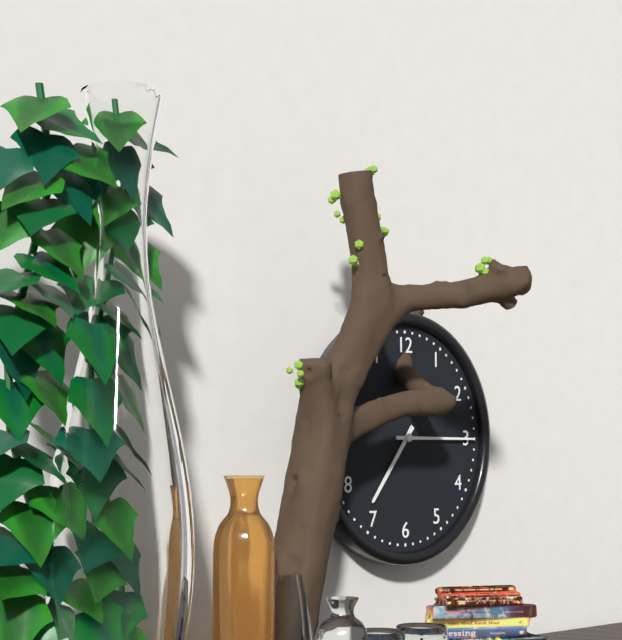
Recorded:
{"hour": 7, "minute": 15}
